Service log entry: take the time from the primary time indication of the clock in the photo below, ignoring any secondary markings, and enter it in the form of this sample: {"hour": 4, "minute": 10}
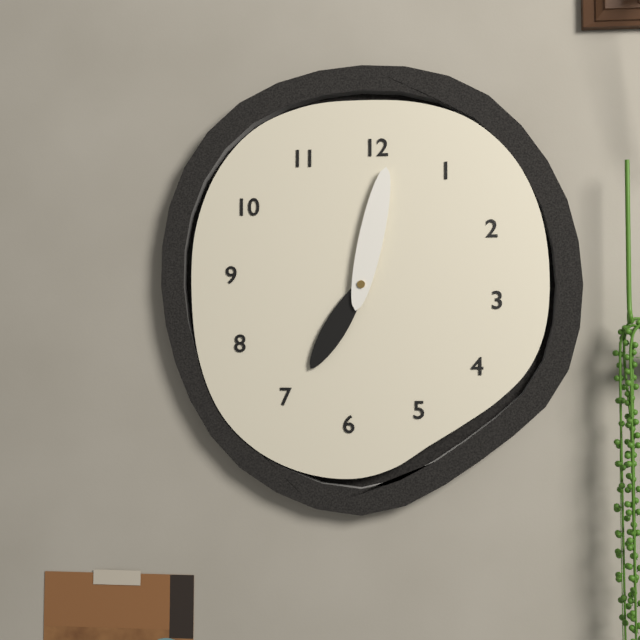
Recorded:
{"hour": 7, "minute": 2}
